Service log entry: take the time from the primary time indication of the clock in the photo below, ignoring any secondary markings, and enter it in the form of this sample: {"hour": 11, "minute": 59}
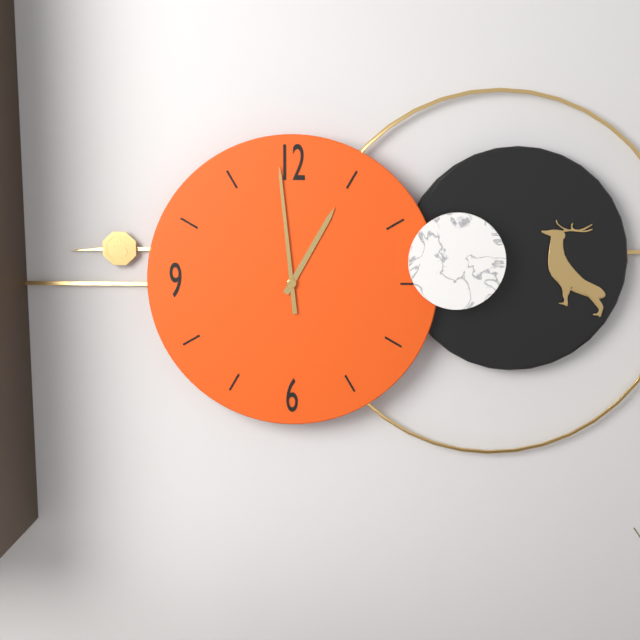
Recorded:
{"hour": 12, "minute": 59}
